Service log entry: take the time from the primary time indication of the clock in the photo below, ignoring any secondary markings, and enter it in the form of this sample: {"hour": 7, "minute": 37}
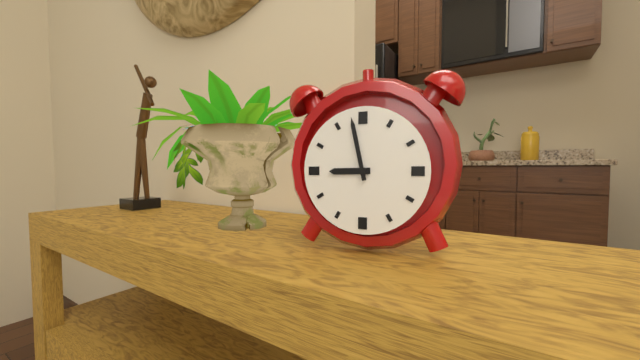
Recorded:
{"hour": 8, "minute": 58}
